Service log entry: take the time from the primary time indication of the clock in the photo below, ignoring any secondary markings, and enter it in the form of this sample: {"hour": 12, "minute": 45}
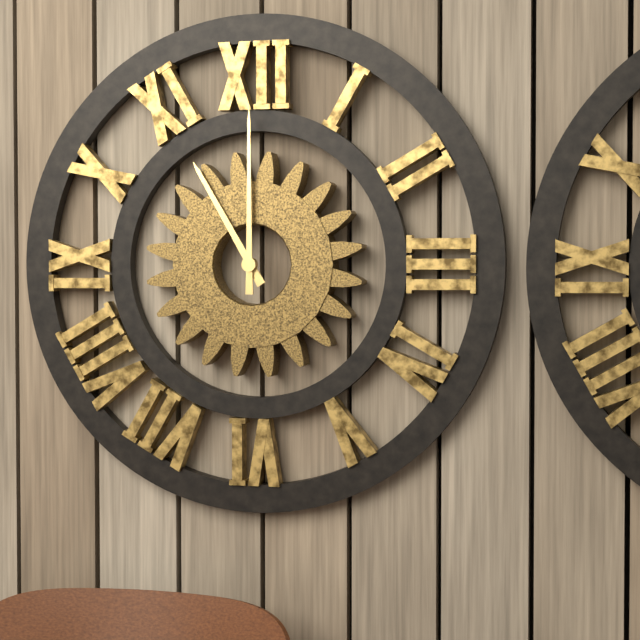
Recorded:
{"hour": 11, "minute": 0}
